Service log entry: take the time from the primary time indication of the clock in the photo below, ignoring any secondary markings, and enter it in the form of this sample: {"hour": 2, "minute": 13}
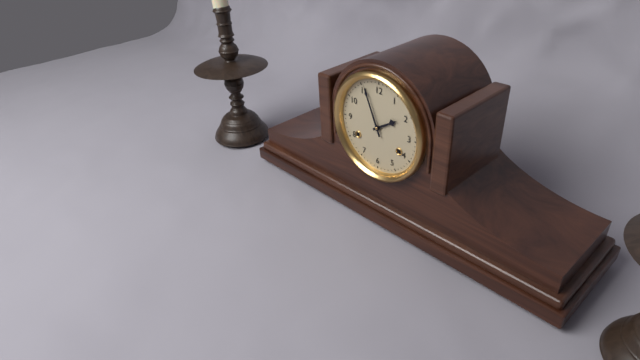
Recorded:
{"hour": 1, "minute": 56}
